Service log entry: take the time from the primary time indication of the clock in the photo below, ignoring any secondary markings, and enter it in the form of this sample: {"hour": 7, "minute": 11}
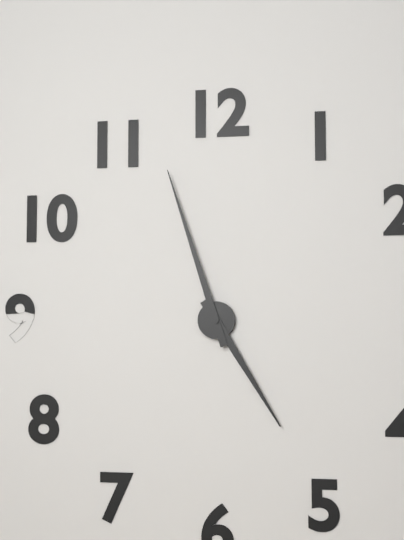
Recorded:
{"hour": 4, "minute": 57}
